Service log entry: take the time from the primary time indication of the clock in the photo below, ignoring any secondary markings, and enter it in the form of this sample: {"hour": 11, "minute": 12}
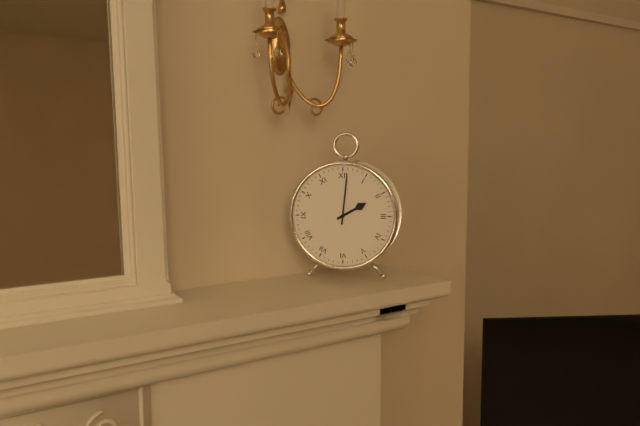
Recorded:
{"hour": 2, "minute": 1}
